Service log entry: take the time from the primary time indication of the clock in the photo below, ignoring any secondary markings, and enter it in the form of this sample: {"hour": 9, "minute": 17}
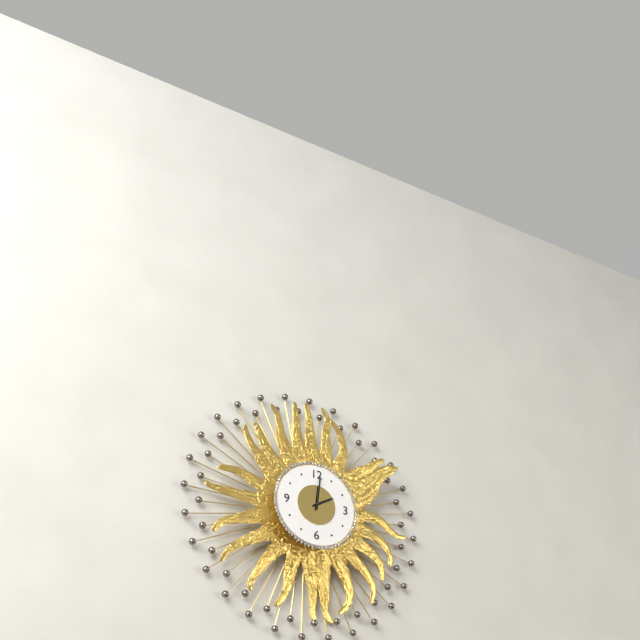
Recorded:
{"hour": 2, "minute": 1}
